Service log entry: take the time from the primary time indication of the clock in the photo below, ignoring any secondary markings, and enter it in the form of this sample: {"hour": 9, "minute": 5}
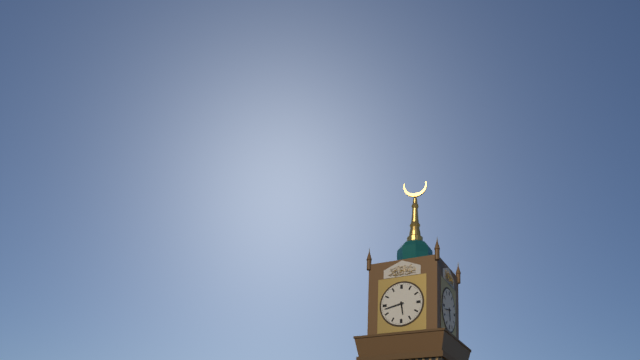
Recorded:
{"hour": 5, "minute": 43}
